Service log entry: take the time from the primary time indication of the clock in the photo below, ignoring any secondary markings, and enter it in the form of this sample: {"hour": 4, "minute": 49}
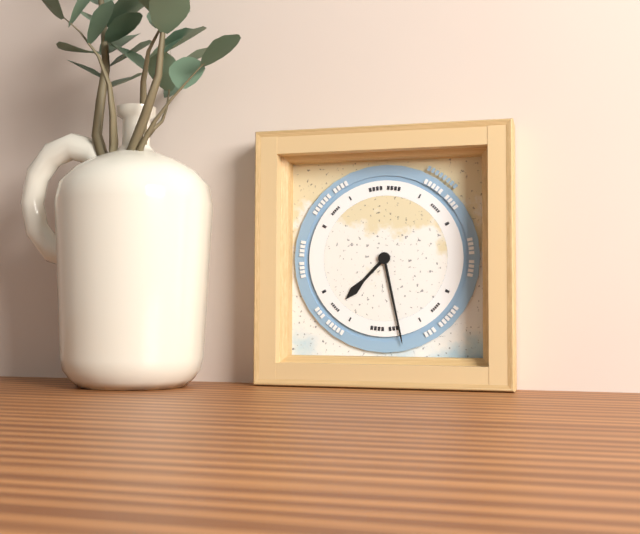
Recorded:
{"hour": 7, "minute": 28}
